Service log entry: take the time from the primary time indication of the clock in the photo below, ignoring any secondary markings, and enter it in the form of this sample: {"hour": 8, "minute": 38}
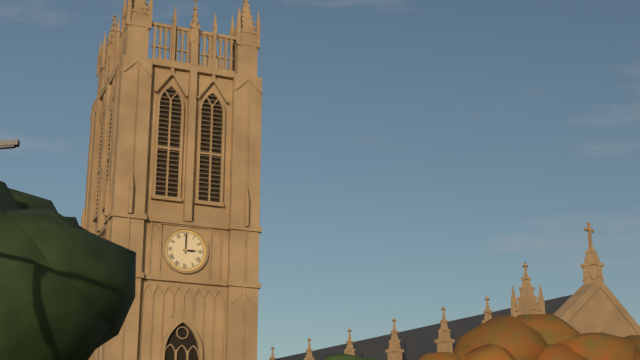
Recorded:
{"hour": 3, "minute": 0}
